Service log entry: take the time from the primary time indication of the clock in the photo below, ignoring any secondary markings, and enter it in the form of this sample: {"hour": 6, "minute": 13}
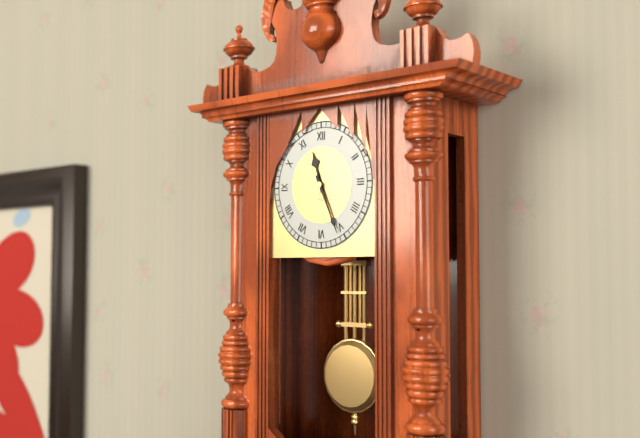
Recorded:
{"hour": 11, "minute": 26}
